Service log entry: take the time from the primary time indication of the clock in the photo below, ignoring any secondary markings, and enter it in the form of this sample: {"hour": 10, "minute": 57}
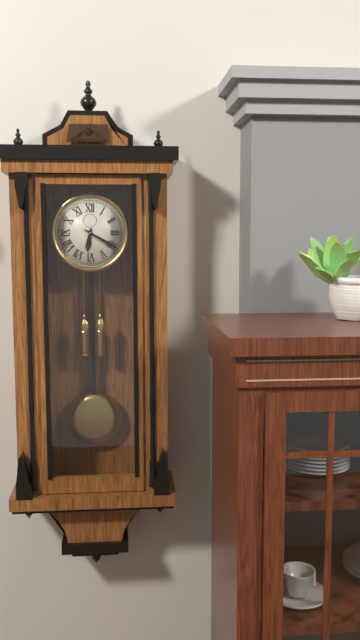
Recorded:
{"hour": 6, "minute": 20}
